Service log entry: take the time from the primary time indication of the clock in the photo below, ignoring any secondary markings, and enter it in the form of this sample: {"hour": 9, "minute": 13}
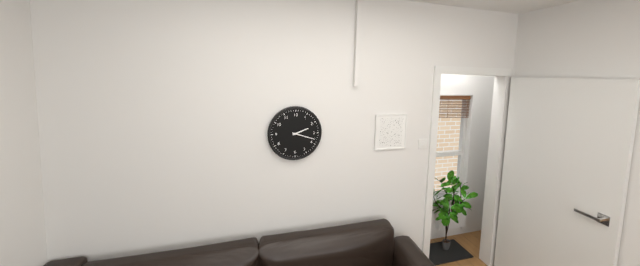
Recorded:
{"hour": 2, "minute": 18}
